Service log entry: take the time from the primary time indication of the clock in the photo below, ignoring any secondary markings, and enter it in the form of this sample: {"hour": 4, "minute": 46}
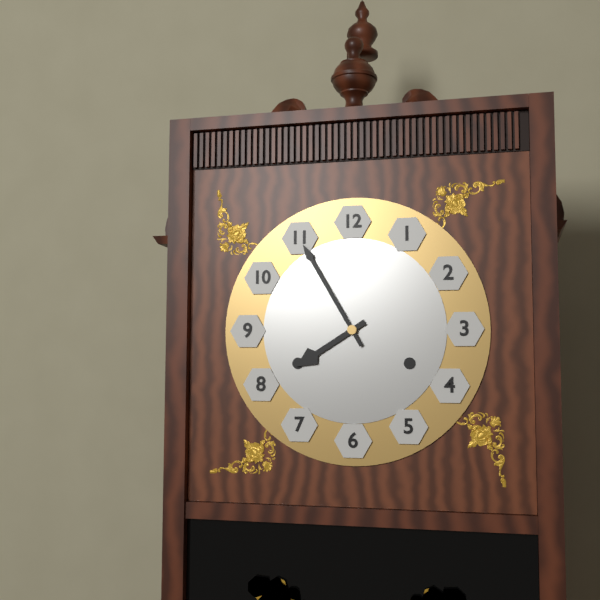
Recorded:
{"hour": 7, "minute": 55}
